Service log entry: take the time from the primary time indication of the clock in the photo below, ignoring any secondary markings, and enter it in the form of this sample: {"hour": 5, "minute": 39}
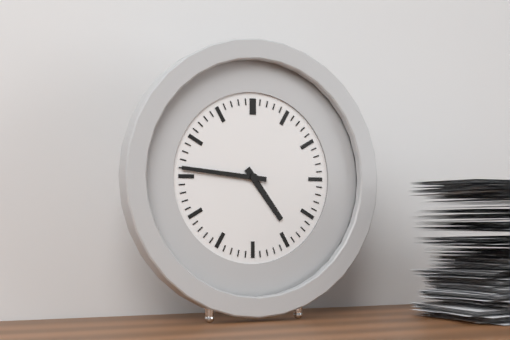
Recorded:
{"hour": 4, "minute": 46}
